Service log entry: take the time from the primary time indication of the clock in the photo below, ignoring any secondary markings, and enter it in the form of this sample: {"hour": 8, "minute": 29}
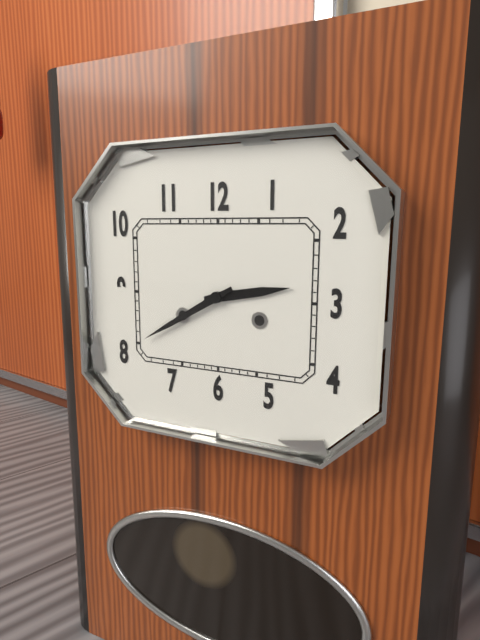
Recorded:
{"hour": 2, "minute": 40}
